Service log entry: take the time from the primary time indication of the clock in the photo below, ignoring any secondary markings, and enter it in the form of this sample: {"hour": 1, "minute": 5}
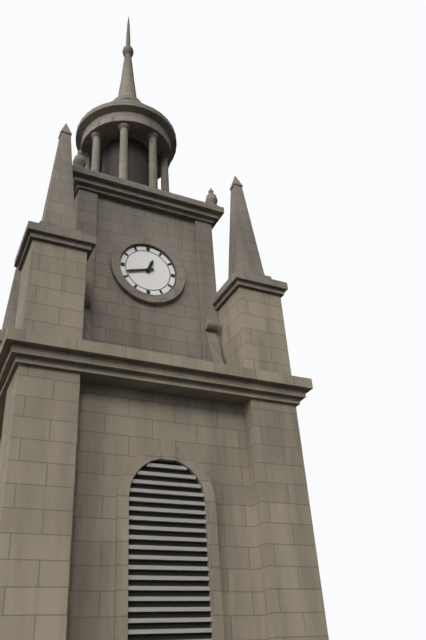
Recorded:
{"hour": 12, "minute": 42}
